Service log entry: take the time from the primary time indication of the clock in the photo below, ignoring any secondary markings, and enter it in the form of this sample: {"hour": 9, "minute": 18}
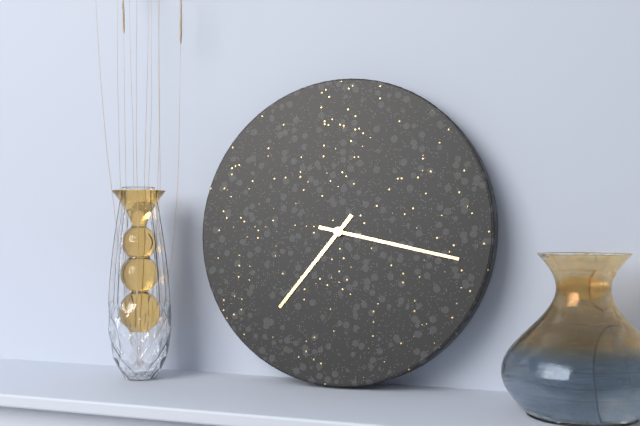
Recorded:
{"hour": 7, "minute": 17}
